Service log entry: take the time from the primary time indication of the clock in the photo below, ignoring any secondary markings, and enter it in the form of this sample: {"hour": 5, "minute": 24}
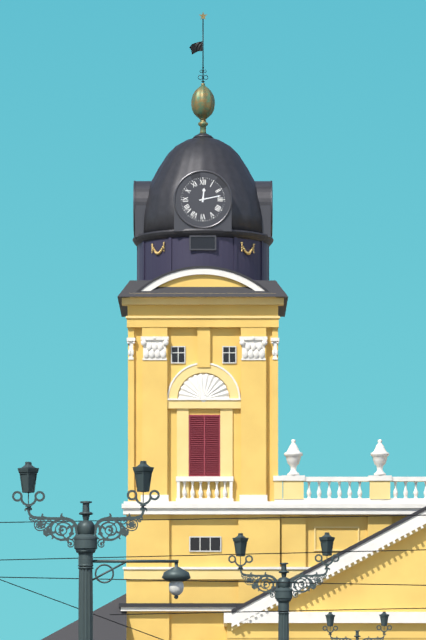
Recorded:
{"hour": 12, "minute": 13}
